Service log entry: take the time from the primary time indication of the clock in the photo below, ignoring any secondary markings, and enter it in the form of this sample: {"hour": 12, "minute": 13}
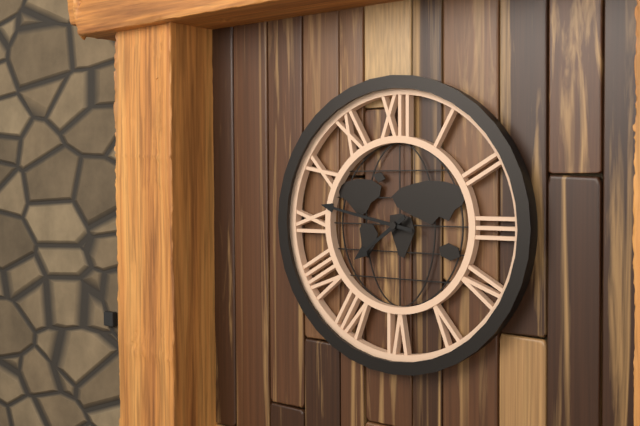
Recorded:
{"hour": 7, "minute": 47}
